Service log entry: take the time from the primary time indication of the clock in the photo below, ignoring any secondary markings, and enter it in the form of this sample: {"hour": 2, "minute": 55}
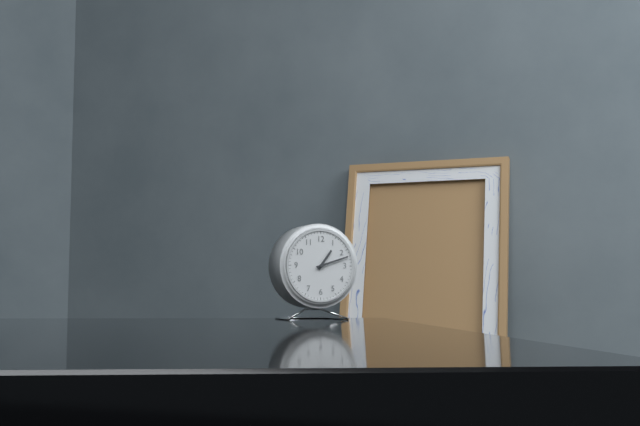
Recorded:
{"hour": 1, "minute": 12}
